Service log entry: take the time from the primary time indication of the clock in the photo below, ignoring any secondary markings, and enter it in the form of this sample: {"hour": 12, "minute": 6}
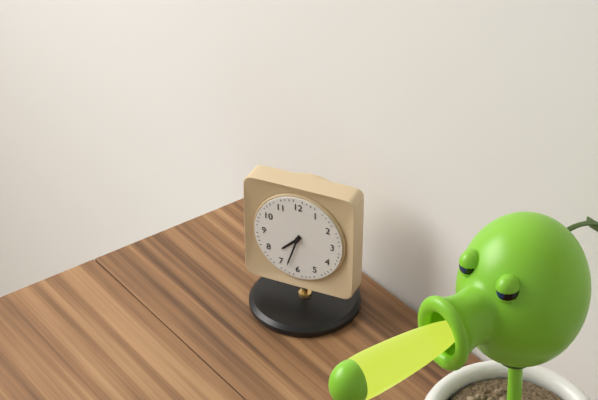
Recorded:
{"hour": 7, "minute": 33}
